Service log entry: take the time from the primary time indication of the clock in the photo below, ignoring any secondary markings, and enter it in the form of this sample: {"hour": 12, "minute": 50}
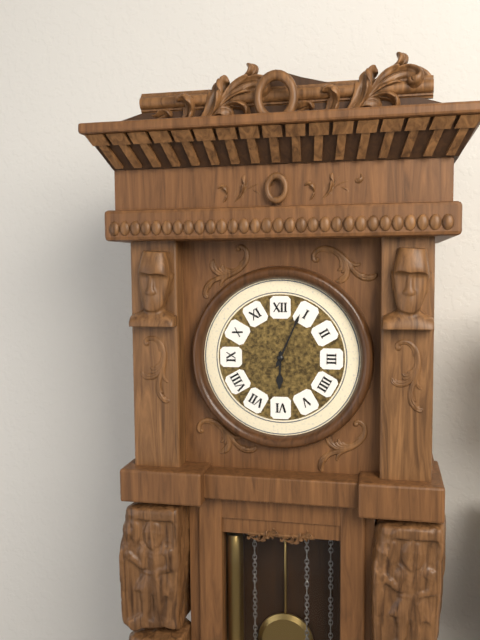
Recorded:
{"hour": 6, "minute": 4}
